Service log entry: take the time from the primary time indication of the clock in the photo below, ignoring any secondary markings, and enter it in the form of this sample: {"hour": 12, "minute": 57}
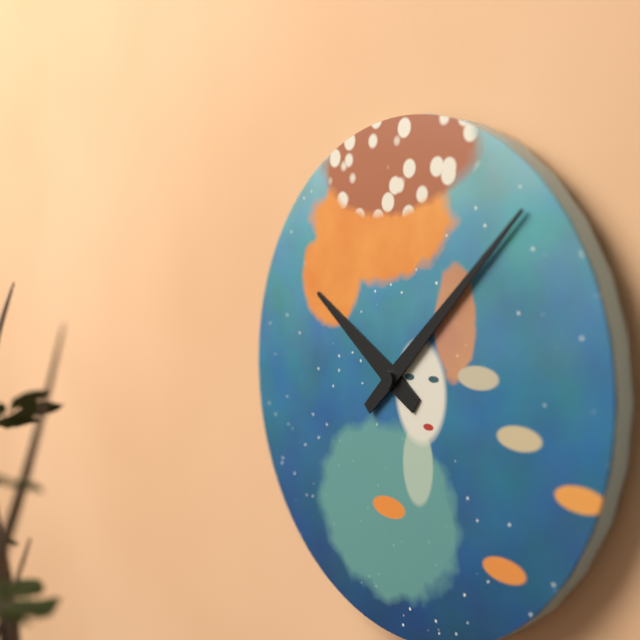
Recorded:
{"hour": 10, "minute": 8}
